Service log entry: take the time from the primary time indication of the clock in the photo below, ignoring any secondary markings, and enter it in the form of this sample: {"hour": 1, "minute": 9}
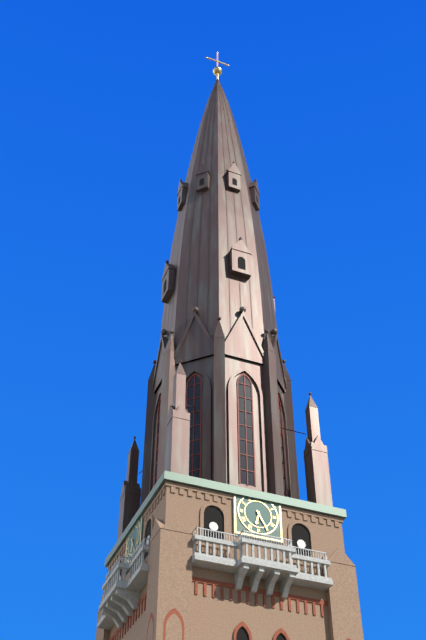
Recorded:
{"hour": 6, "minute": 25}
